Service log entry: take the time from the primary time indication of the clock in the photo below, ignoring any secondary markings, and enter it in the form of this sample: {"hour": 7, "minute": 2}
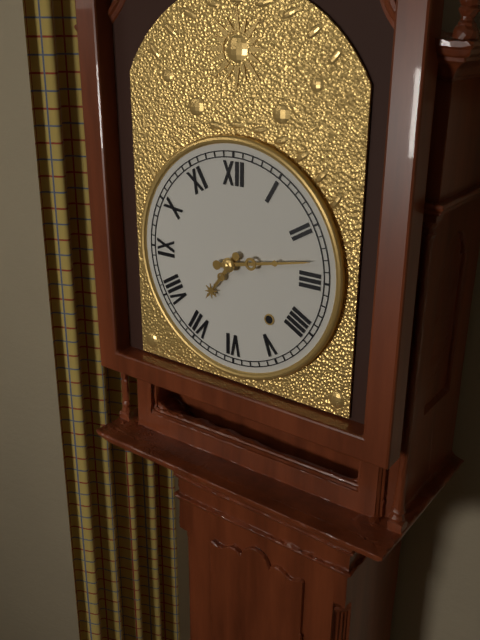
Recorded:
{"hour": 7, "minute": 13}
